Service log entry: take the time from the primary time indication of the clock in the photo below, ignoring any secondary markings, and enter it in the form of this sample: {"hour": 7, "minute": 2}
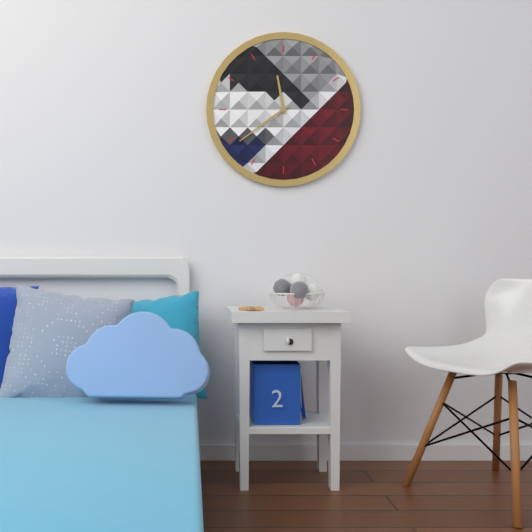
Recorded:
{"hour": 11, "minute": 39}
